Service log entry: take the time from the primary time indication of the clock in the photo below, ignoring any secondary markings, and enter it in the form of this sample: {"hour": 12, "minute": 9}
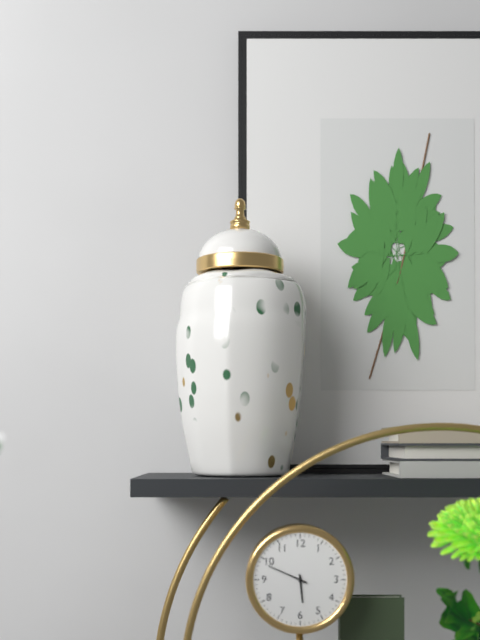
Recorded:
{"hour": 5, "minute": 49}
